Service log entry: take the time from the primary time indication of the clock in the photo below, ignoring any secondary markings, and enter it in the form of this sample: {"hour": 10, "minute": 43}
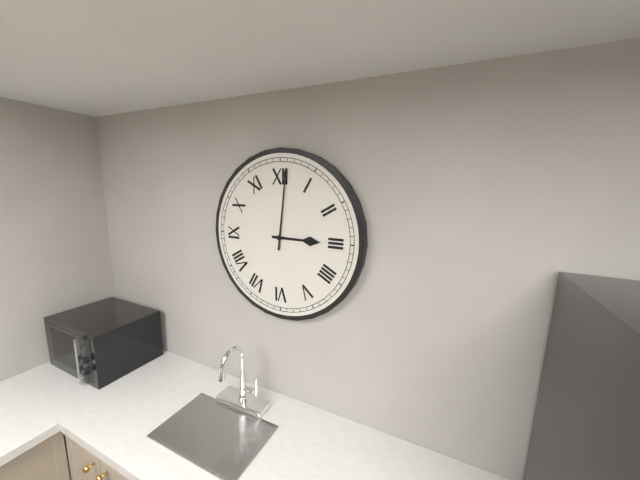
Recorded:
{"hour": 3, "minute": 1}
